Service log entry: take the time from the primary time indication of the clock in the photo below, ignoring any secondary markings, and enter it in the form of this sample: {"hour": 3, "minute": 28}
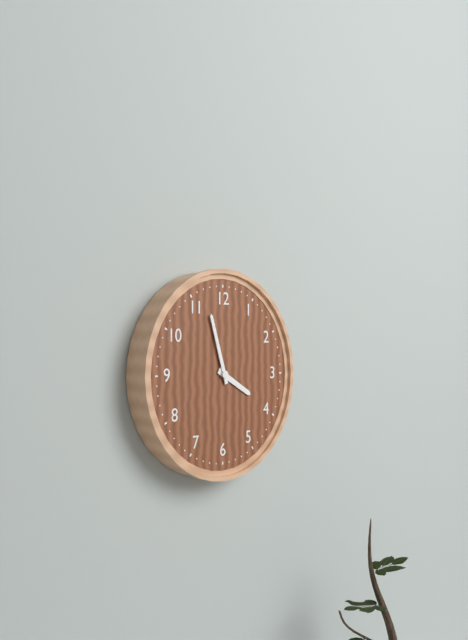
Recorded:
{"hour": 3, "minute": 57}
